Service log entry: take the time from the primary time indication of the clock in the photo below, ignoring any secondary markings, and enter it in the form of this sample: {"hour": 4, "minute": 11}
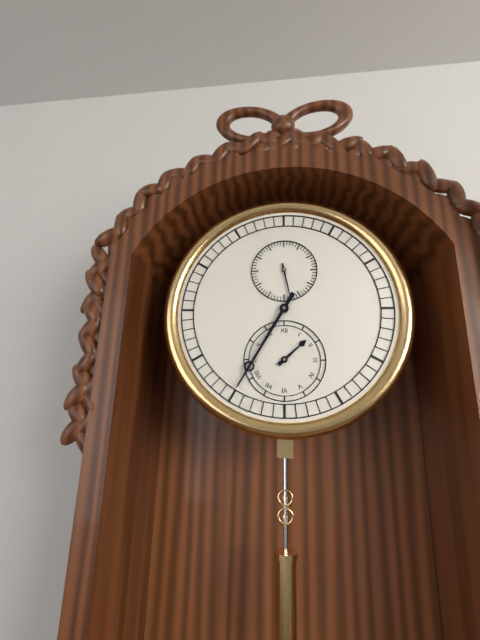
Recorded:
{"hour": 1, "minute": 35}
